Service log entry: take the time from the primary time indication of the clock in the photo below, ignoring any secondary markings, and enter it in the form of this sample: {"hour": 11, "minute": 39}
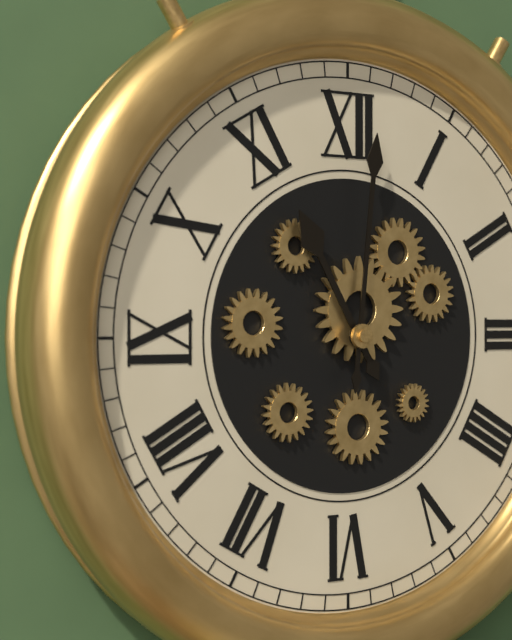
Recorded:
{"hour": 11, "minute": 1}
